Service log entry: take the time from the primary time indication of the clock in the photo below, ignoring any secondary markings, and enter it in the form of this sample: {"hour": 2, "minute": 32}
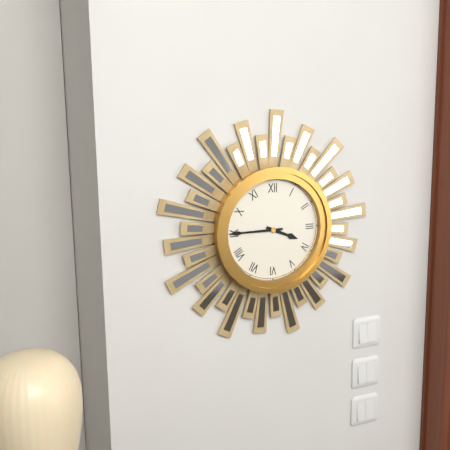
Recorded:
{"hour": 3, "minute": 45}
